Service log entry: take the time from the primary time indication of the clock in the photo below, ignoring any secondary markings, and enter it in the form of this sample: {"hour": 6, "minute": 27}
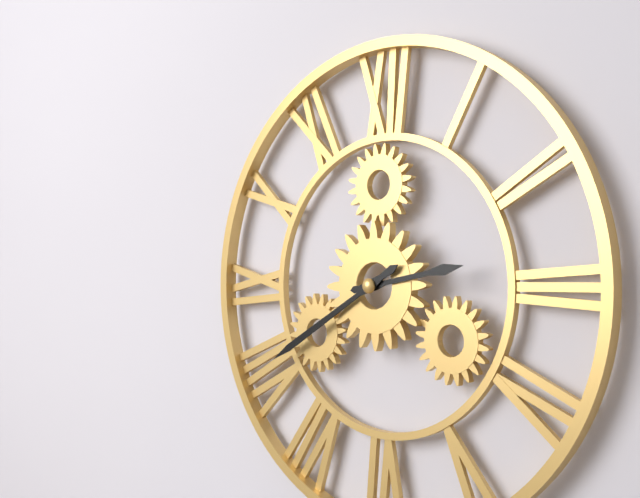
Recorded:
{"hour": 2, "minute": 40}
